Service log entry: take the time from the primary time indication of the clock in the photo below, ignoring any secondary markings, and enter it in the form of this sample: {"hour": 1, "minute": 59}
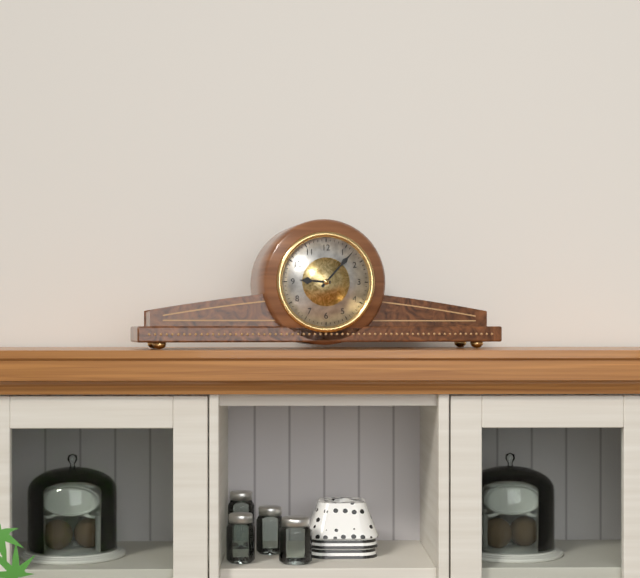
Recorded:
{"hour": 9, "minute": 7}
